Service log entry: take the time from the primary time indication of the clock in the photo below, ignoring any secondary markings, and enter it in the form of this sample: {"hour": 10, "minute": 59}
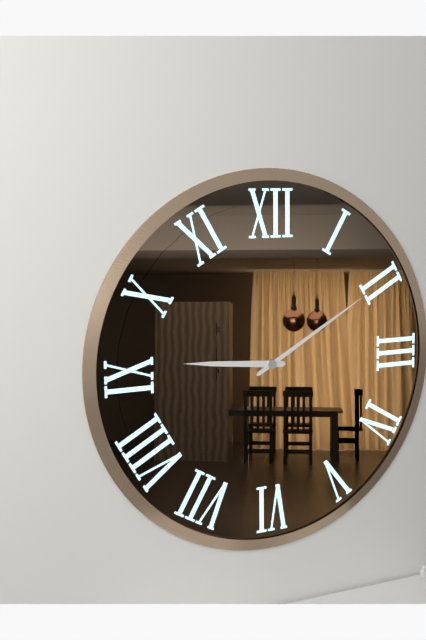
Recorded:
{"hour": 9, "minute": 10}
